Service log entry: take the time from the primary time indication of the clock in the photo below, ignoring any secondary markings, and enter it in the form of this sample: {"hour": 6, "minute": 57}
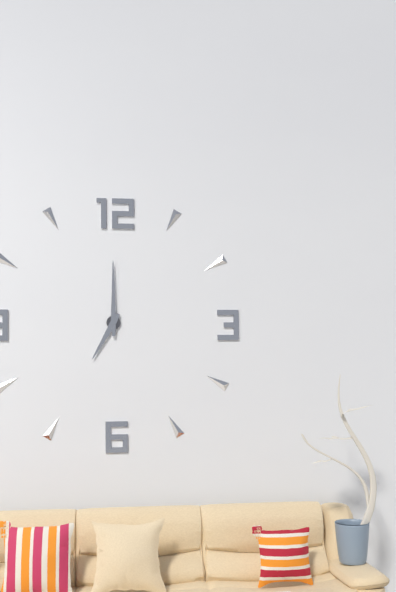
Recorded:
{"hour": 7, "minute": 0}
